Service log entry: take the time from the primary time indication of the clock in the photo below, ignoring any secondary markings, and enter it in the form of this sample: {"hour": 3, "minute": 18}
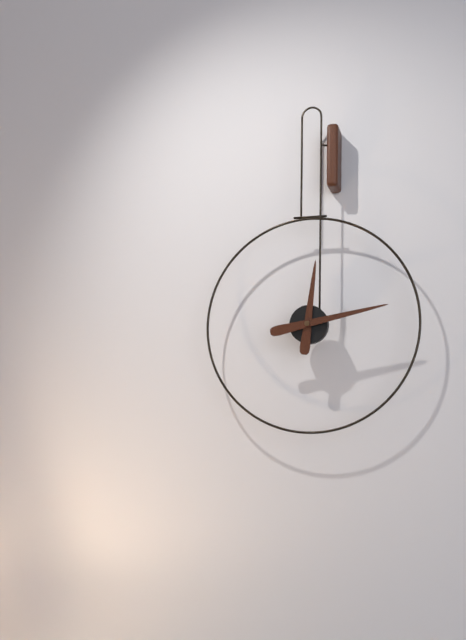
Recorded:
{"hour": 12, "minute": 13}
